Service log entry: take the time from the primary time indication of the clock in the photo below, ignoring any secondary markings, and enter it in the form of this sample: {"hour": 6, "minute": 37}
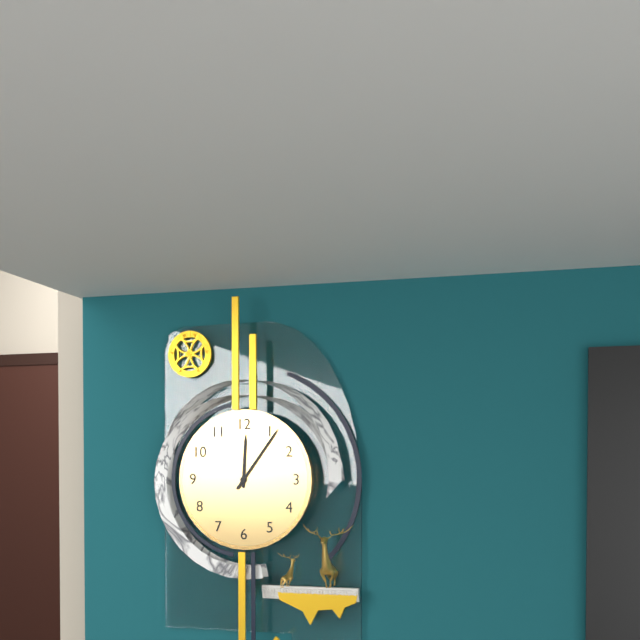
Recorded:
{"hour": 12, "minute": 6}
